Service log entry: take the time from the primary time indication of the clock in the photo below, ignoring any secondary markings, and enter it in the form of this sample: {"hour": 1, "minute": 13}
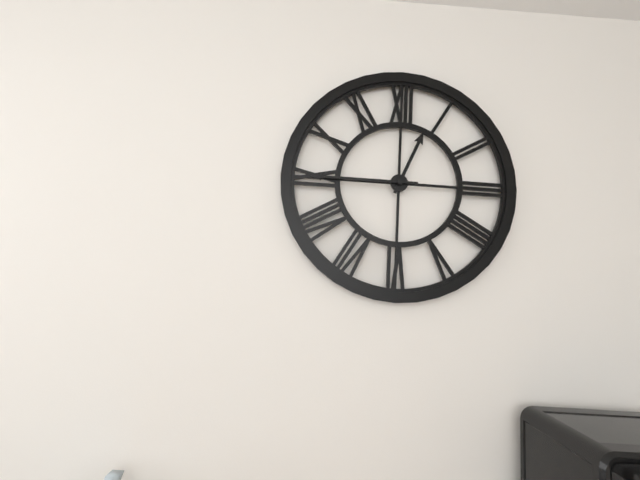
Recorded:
{"hour": 12, "minute": 45}
